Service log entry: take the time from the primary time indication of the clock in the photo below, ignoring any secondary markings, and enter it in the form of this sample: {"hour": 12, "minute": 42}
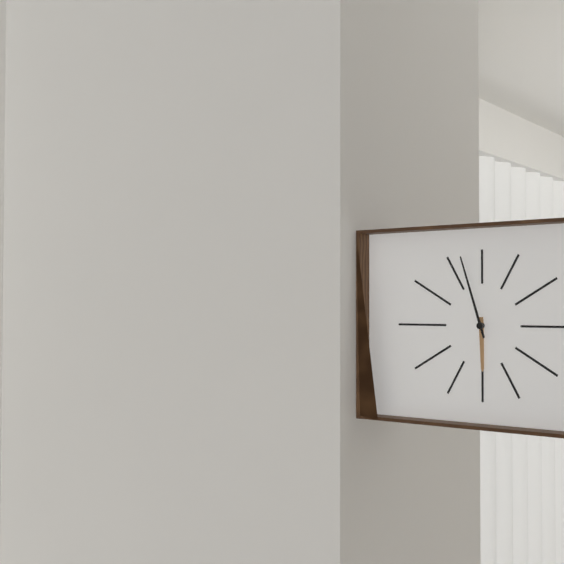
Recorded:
{"hour": 5, "minute": 57}
